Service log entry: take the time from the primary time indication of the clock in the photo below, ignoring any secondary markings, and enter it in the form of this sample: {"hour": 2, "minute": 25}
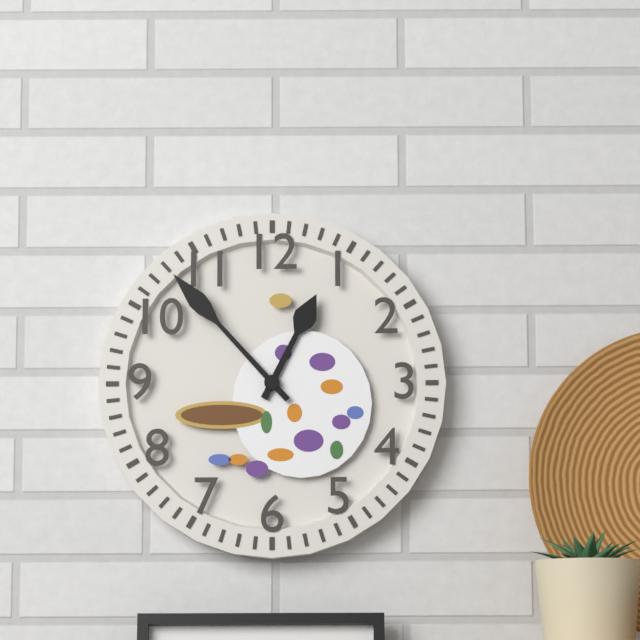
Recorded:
{"hour": 12, "minute": 53}
